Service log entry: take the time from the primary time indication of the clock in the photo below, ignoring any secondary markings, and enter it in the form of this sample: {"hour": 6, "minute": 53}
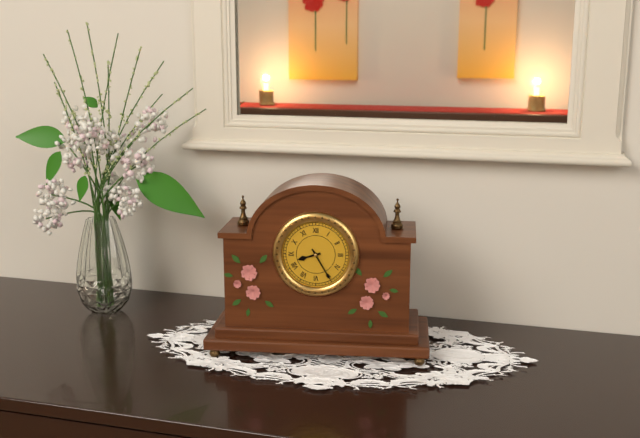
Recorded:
{"hour": 8, "minute": 25}
